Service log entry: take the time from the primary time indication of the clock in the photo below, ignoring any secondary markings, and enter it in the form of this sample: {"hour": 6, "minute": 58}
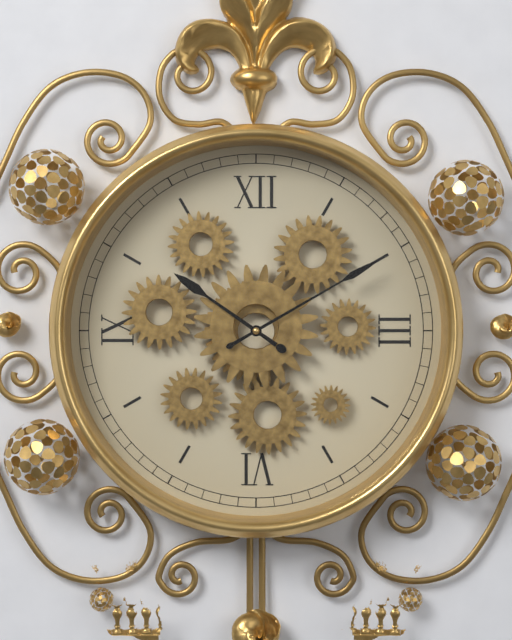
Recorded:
{"hour": 10, "minute": 10}
